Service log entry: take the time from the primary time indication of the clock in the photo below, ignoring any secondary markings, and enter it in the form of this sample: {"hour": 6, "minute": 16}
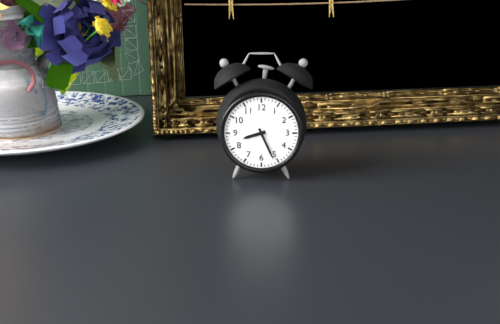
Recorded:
{"hour": 8, "minute": 26}
